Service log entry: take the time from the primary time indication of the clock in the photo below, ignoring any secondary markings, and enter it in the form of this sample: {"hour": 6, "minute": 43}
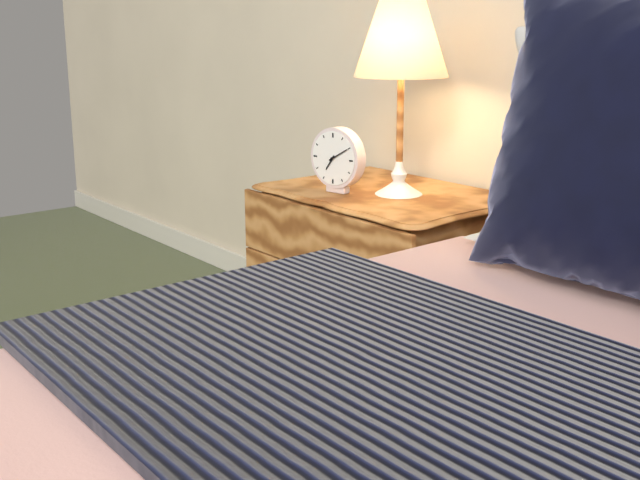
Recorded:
{"hour": 7, "minute": 10}
